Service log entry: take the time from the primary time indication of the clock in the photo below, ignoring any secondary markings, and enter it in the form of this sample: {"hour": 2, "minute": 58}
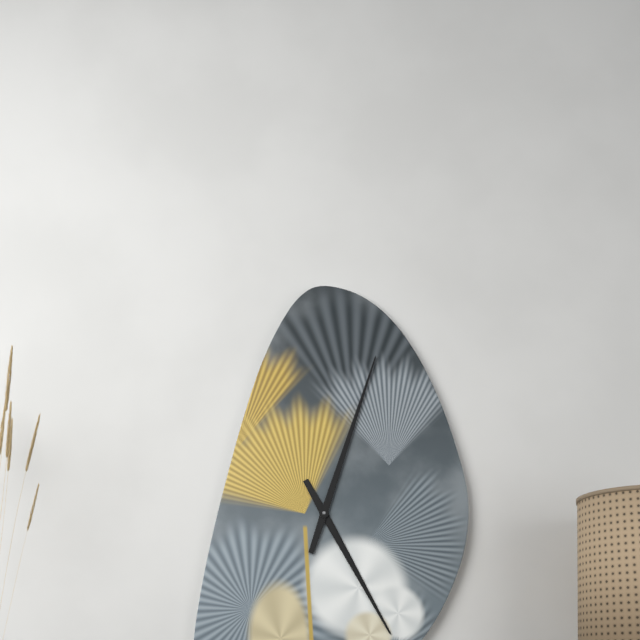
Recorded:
{"hour": 5, "minute": 3}
